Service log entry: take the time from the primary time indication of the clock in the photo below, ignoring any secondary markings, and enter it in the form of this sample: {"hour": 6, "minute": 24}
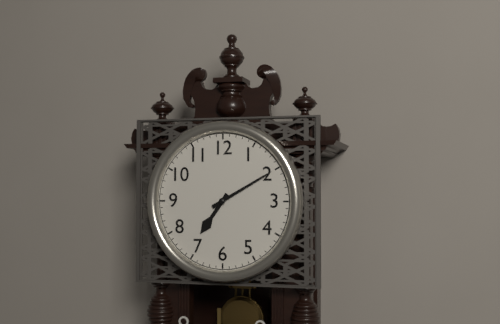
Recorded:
{"hour": 7, "minute": 10}
